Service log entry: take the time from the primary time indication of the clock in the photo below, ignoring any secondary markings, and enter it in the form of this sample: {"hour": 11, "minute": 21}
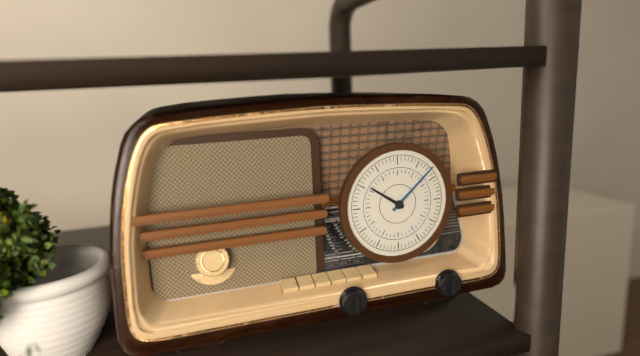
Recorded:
{"hour": 10, "minute": 8}
